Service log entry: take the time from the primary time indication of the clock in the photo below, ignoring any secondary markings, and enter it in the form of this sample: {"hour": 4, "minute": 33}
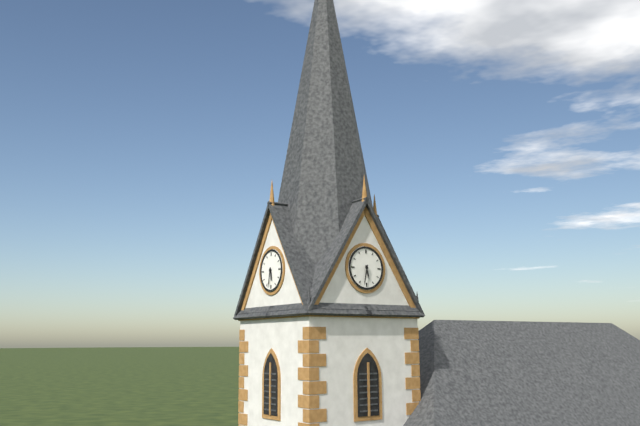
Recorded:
{"hour": 5, "minute": 32}
